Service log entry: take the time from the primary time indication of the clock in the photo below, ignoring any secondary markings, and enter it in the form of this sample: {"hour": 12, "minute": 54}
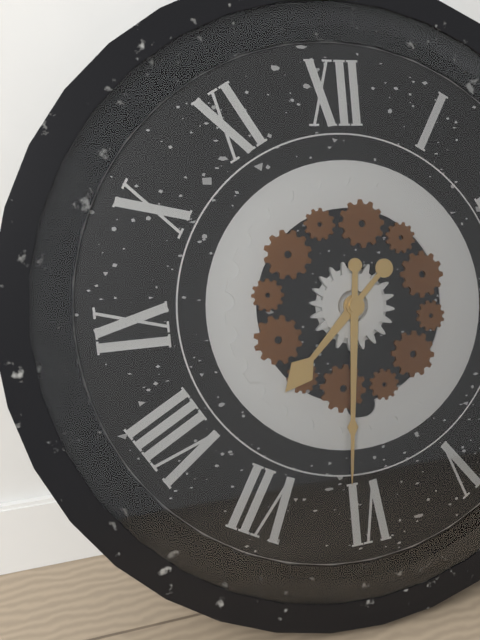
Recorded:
{"hour": 7, "minute": 31}
